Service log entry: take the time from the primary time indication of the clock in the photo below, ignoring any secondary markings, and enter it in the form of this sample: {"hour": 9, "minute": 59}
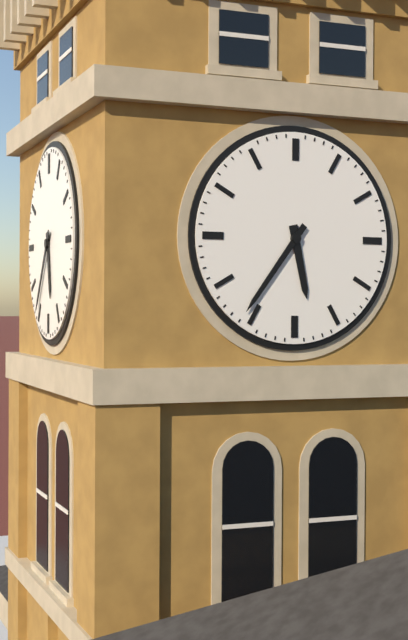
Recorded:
{"hour": 5, "minute": 36}
